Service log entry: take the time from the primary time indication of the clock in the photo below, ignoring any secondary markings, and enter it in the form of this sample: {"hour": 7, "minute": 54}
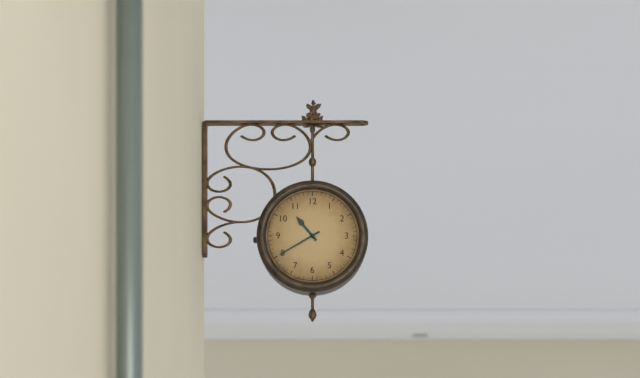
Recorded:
{"hour": 10, "minute": 40}
